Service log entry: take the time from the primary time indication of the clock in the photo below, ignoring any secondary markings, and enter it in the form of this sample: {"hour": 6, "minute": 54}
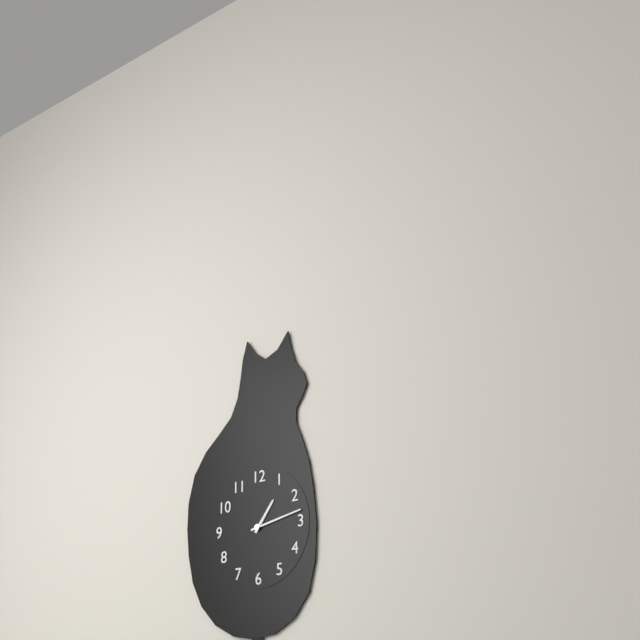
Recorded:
{"hour": 1, "minute": 13}
